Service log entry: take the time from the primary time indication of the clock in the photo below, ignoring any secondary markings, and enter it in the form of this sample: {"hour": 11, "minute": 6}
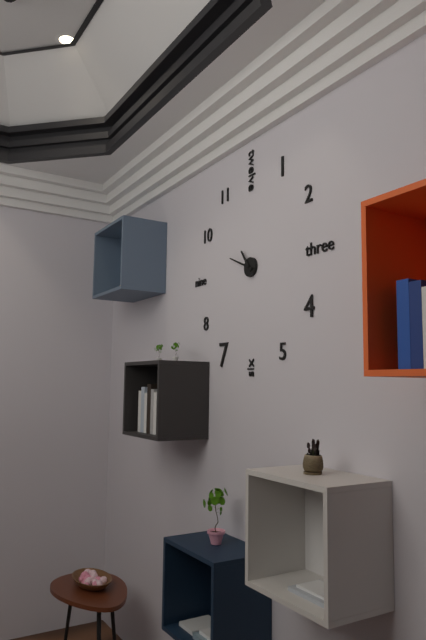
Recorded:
{"hour": 10, "minute": 49}
